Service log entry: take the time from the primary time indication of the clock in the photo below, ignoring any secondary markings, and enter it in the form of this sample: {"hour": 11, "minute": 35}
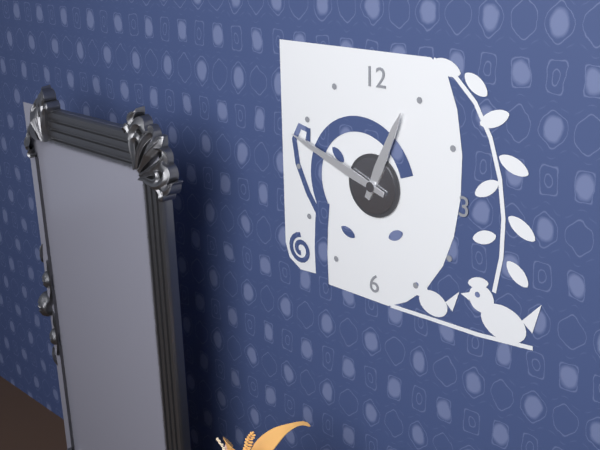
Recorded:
{"hour": 12, "minute": 48}
